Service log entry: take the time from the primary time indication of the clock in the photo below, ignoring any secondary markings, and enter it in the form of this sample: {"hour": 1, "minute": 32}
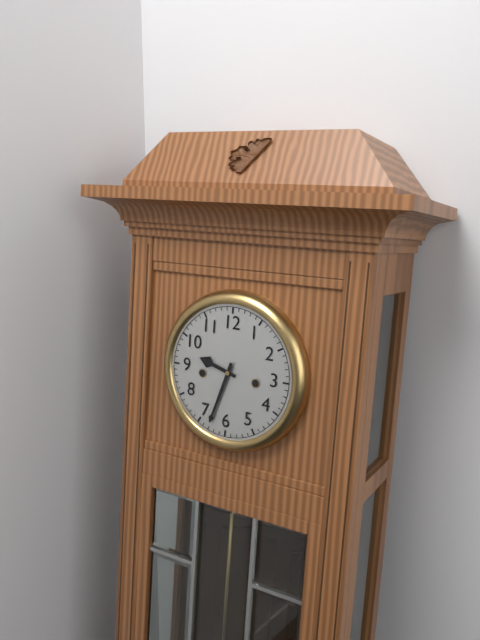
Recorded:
{"hour": 9, "minute": 33}
